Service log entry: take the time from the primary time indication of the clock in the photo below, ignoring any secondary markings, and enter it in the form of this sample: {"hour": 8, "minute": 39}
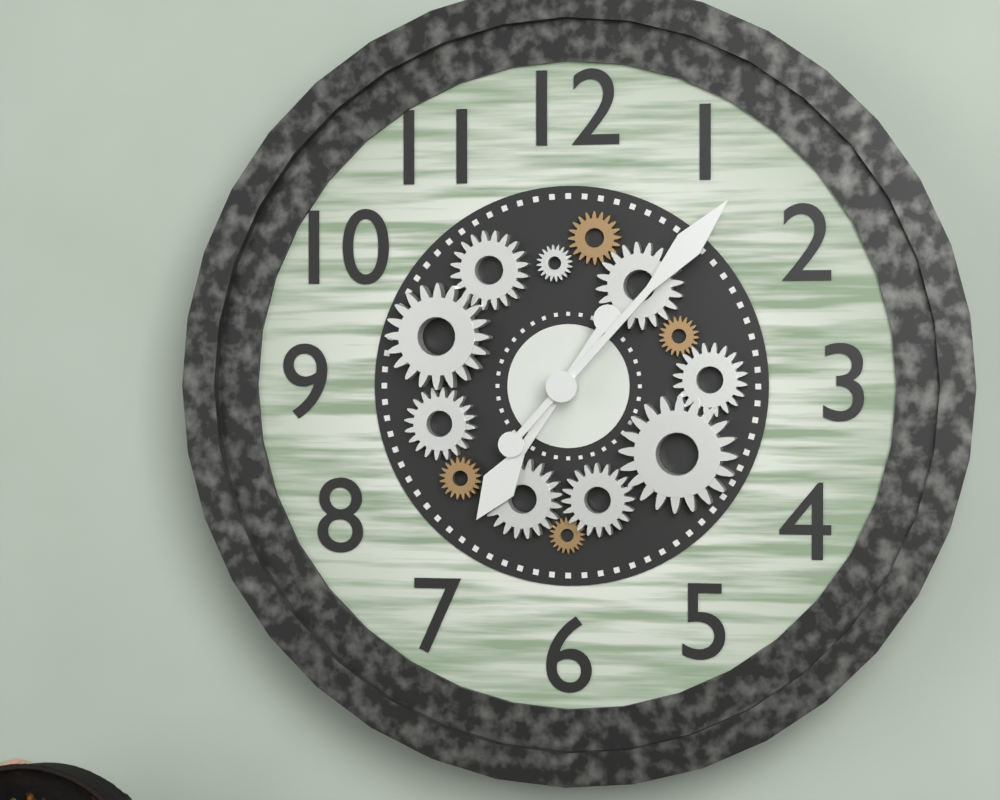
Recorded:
{"hour": 7, "minute": 7}
